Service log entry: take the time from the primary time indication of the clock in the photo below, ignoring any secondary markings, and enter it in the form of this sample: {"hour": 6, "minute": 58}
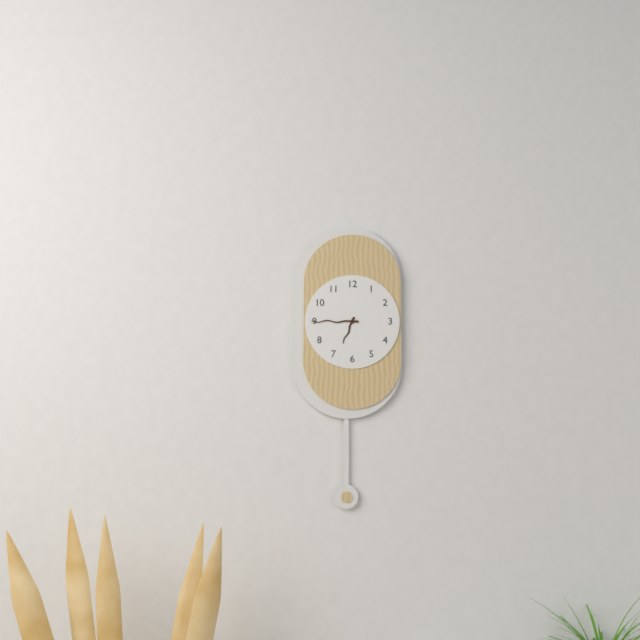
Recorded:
{"hour": 6, "minute": 45}
